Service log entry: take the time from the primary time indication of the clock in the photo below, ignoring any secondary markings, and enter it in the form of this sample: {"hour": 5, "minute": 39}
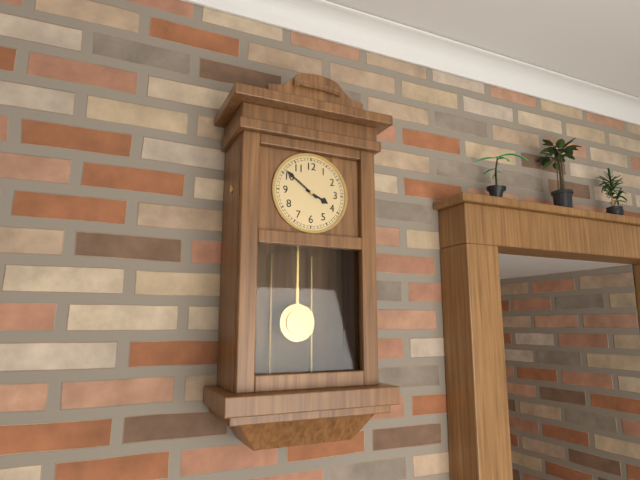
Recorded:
{"hour": 3, "minute": 51}
